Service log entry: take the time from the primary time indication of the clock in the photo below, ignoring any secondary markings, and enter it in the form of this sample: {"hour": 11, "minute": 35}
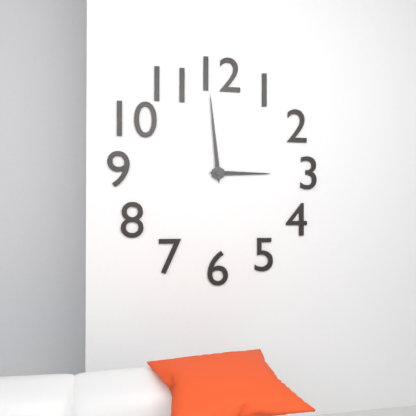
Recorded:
{"hour": 2, "minute": 59}
